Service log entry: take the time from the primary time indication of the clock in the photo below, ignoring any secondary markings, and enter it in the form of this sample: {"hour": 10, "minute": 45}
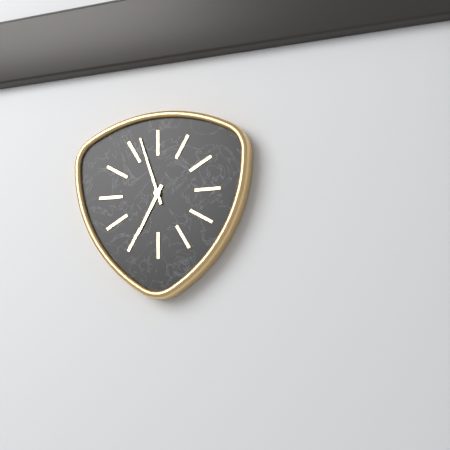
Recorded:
{"hour": 6, "minute": 57}
